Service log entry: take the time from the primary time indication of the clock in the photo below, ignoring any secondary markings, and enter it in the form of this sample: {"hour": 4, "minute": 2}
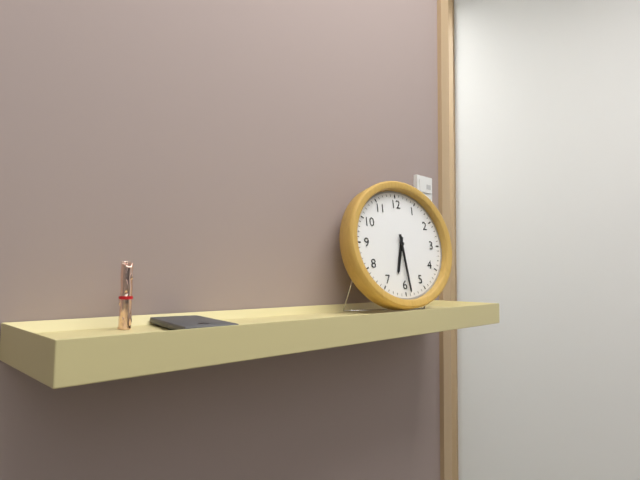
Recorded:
{"hour": 6, "minute": 29}
